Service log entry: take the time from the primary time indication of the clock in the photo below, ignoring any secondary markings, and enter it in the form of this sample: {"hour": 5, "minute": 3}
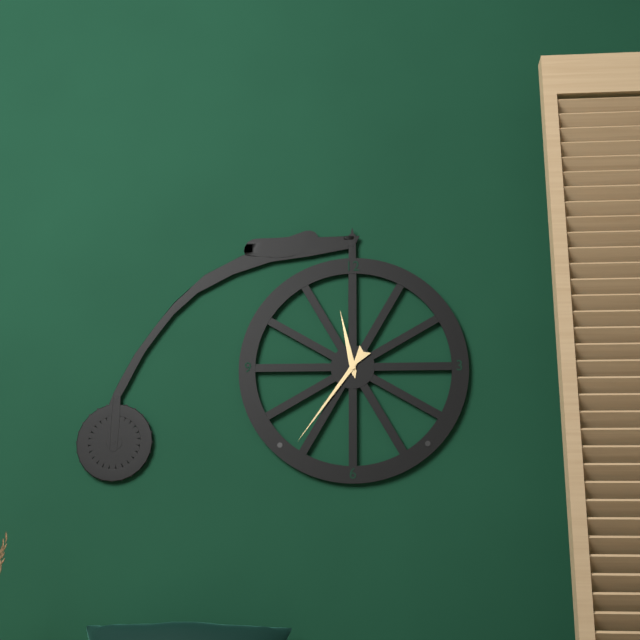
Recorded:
{"hour": 11, "minute": 36}
